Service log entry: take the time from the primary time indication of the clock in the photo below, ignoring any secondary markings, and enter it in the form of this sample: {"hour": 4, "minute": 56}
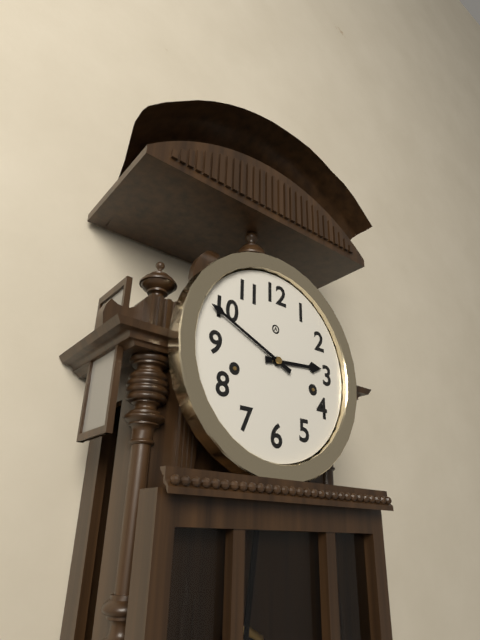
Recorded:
{"hour": 2, "minute": 49}
